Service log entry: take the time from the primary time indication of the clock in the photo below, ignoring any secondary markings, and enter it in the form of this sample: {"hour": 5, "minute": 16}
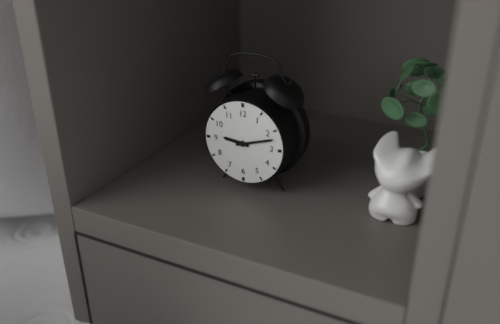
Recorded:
{"hour": 9, "minute": 12}
